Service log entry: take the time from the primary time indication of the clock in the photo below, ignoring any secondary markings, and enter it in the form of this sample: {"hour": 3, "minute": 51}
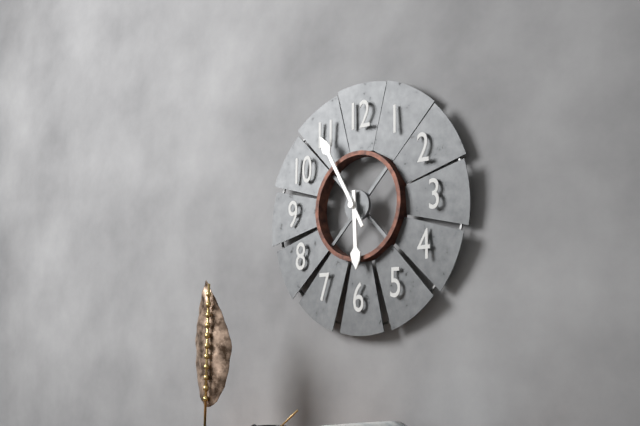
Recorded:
{"hour": 5, "minute": 55}
